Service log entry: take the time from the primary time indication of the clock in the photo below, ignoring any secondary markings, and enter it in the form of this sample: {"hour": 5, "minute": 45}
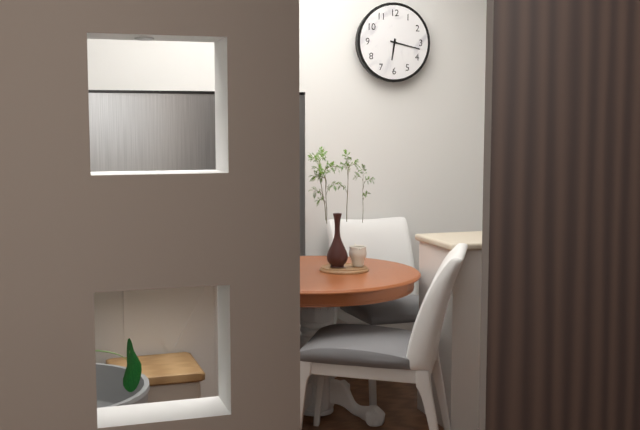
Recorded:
{"hour": 6, "minute": 17}
